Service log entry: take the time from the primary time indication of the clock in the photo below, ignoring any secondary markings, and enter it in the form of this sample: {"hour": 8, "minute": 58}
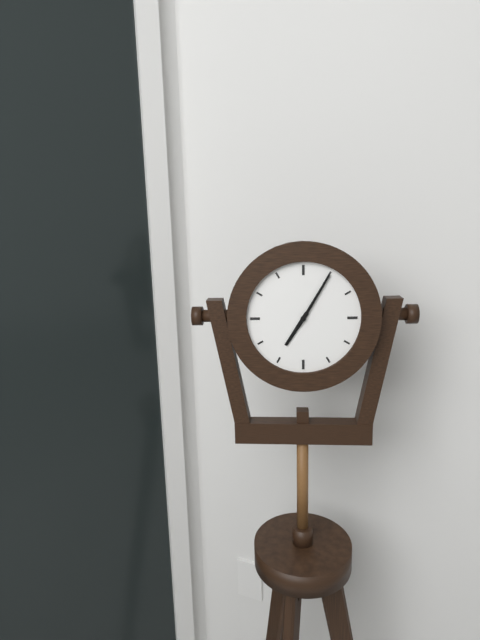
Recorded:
{"hour": 7, "minute": 5}
